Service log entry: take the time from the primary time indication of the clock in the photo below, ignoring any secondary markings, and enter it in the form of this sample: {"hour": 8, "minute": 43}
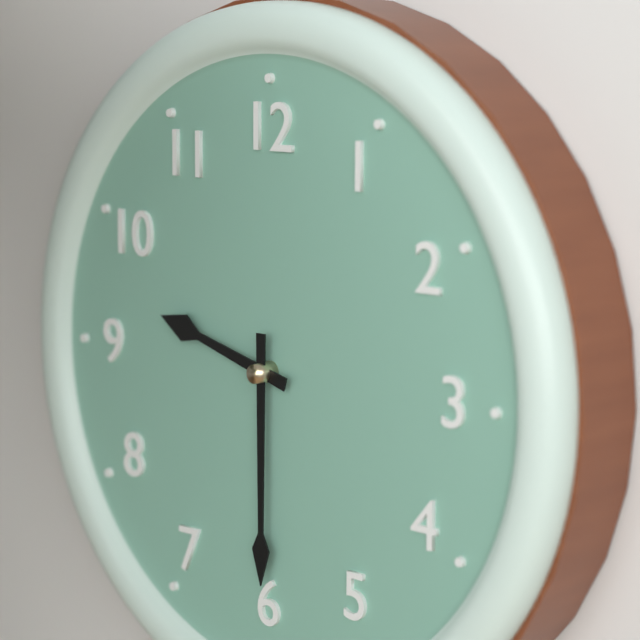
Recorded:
{"hour": 9, "minute": 30}
